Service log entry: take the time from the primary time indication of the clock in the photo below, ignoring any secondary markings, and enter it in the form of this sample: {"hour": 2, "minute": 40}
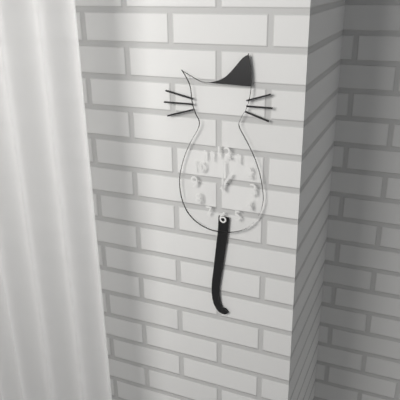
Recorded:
{"hour": 1, "minute": 0}
